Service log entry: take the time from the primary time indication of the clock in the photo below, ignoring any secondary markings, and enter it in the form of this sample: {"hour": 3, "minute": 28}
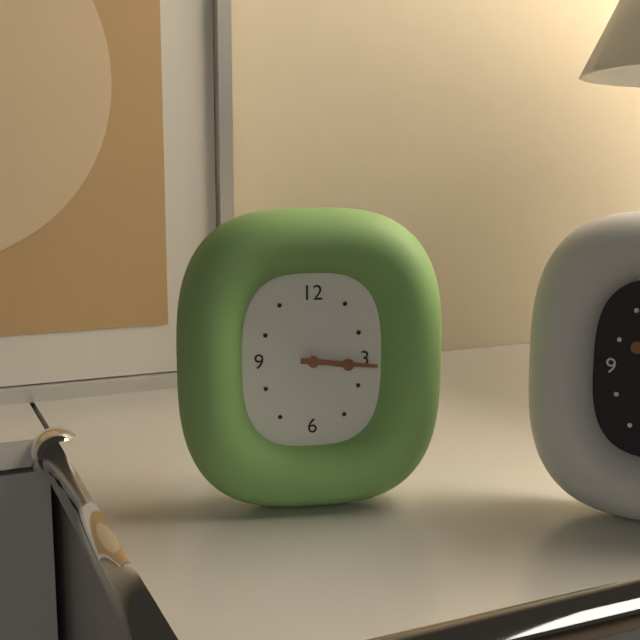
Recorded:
{"hour": 3, "minute": 16}
